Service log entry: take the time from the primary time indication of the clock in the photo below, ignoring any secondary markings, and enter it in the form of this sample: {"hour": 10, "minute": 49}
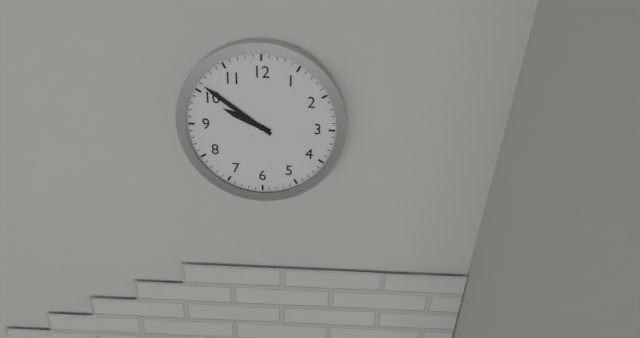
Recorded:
{"hour": 9, "minute": 51}
